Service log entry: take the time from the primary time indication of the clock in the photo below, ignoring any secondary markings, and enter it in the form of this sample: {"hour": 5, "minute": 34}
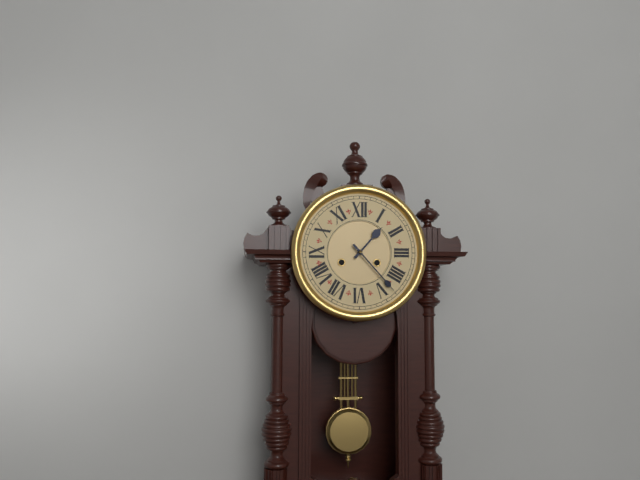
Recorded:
{"hour": 1, "minute": 23}
